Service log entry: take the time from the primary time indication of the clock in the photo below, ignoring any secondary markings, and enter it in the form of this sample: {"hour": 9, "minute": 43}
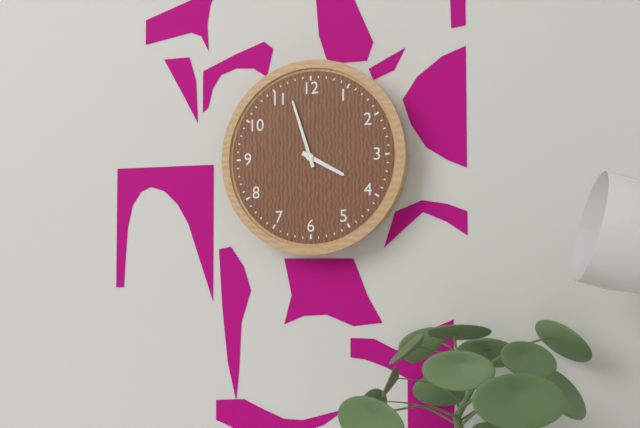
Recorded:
{"hour": 3, "minute": 57}
